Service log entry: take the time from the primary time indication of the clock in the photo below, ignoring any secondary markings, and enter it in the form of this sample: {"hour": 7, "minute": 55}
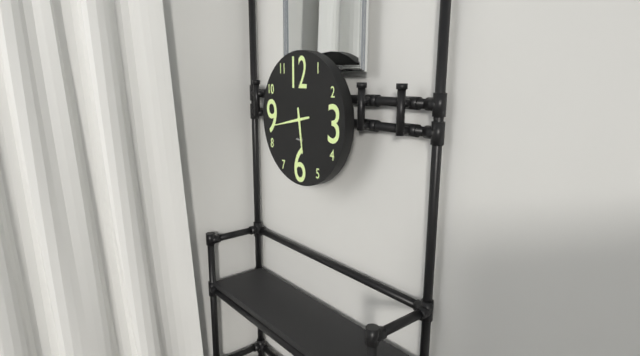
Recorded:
{"hour": 5, "minute": 43}
